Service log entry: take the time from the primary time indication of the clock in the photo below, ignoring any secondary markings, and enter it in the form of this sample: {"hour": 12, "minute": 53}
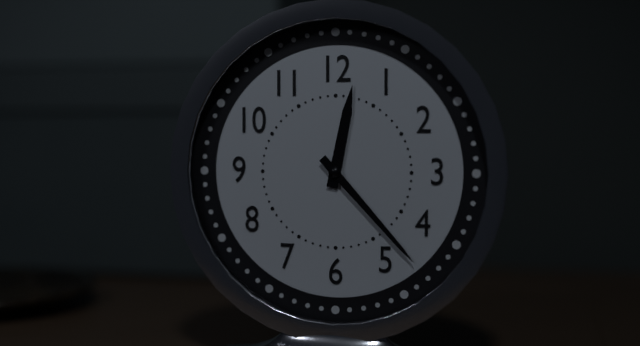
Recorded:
{"hour": 12, "minute": 23}
